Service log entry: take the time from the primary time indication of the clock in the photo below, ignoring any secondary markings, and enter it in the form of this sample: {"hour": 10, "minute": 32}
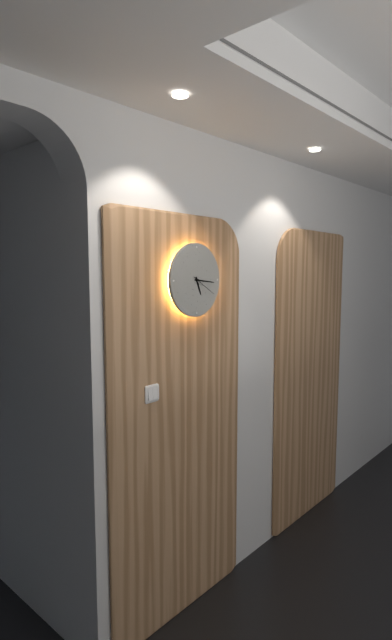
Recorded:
{"hour": 5, "minute": 16}
